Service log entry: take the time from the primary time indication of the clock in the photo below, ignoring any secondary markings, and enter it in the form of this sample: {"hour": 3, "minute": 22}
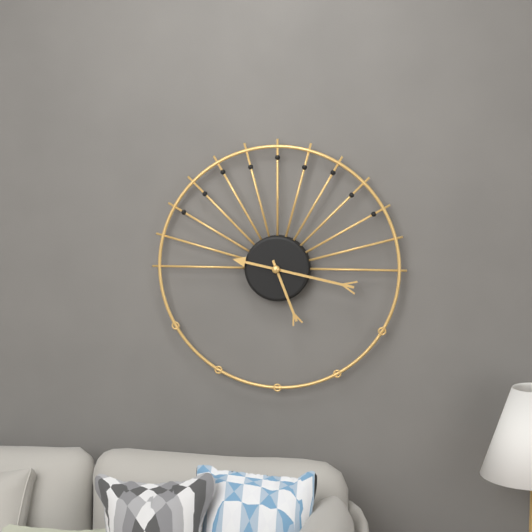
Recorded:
{"hour": 5, "minute": 17}
